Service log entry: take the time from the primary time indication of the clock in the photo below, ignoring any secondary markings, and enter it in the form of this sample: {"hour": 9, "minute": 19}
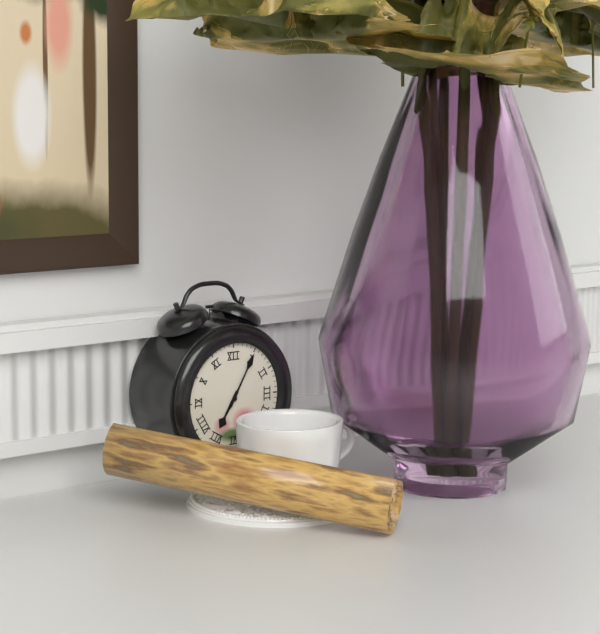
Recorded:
{"hour": 7, "minute": 5}
